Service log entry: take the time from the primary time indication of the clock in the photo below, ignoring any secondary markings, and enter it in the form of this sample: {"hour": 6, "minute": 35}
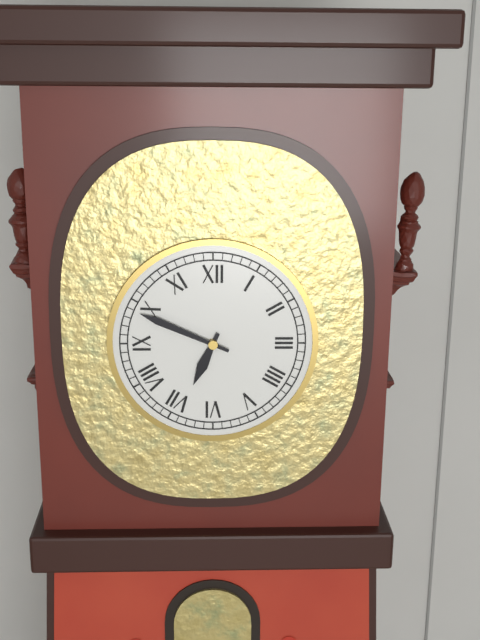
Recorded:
{"hour": 6, "minute": 49}
